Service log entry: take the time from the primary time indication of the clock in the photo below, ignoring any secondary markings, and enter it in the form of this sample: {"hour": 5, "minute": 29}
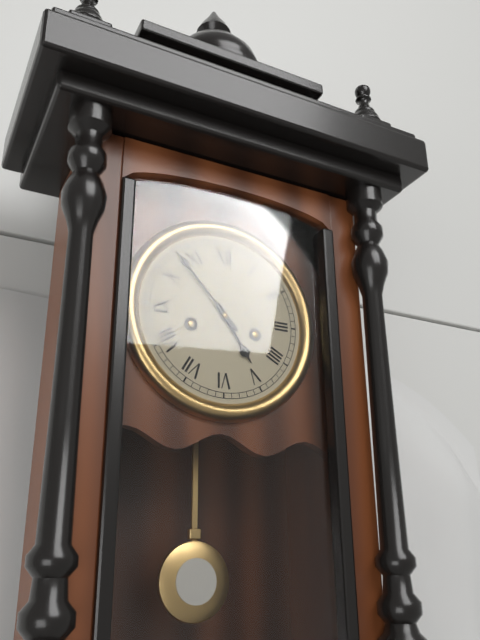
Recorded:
{"hour": 4, "minute": 53}
